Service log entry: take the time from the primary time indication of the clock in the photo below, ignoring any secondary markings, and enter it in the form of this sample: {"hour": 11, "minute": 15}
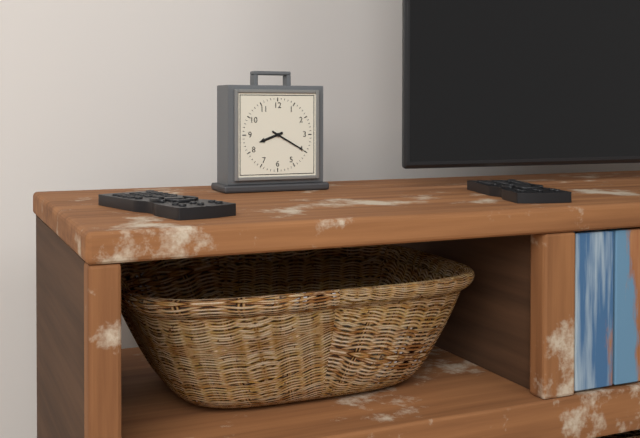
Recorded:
{"hour": 8, "minute": 20}
